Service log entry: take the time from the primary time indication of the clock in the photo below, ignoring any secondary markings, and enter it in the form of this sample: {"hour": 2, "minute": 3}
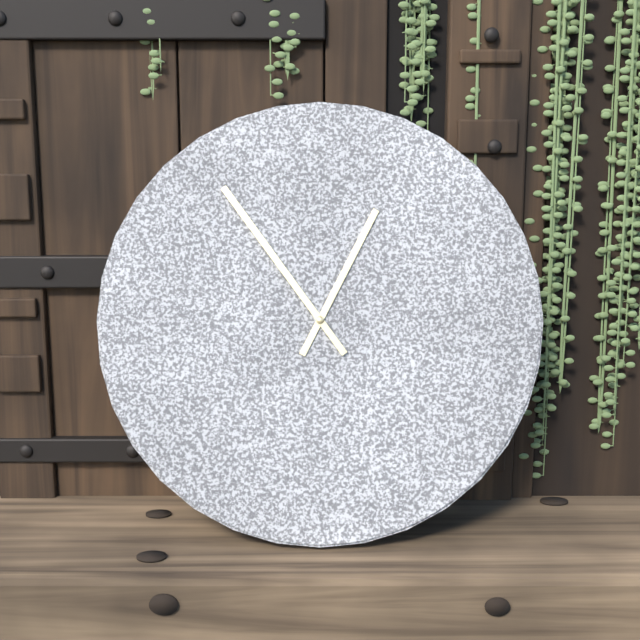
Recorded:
{"hour": 12, "minute": 54}
